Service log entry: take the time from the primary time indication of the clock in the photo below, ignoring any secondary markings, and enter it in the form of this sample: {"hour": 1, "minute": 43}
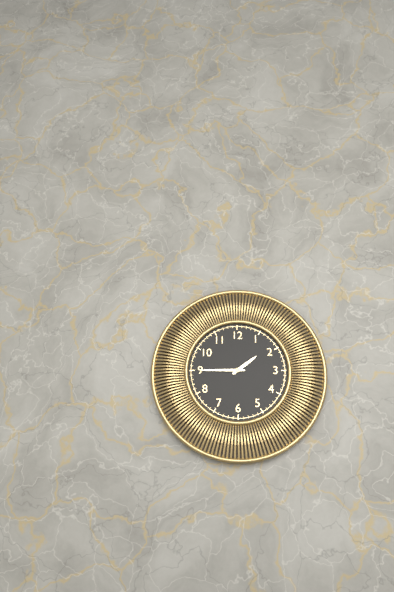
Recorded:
{"hour": 1, "minute": 45}
